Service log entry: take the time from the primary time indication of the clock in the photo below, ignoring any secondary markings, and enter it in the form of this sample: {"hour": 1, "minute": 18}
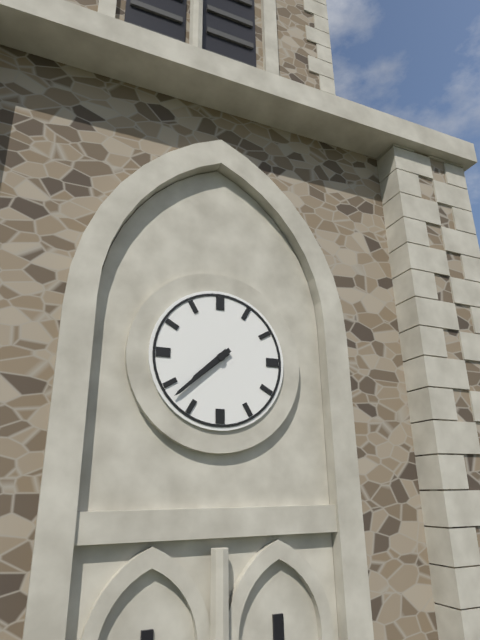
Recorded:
{"hour": 7, "minute": 38}
